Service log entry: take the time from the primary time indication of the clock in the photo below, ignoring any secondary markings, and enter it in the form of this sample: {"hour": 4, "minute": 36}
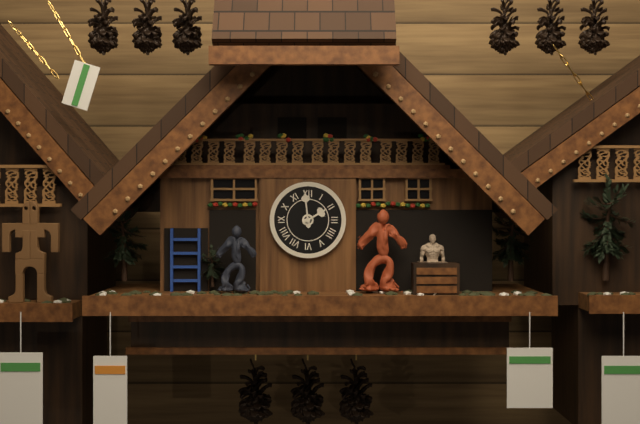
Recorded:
{"hour": 1, "minute": 59}
